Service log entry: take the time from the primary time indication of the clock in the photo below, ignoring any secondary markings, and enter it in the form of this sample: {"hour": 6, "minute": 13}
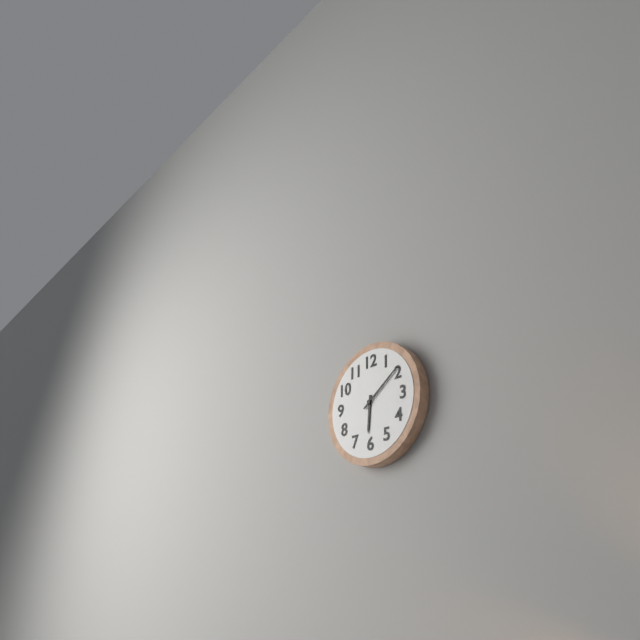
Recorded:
{"hour": 6, "minute": 9}
